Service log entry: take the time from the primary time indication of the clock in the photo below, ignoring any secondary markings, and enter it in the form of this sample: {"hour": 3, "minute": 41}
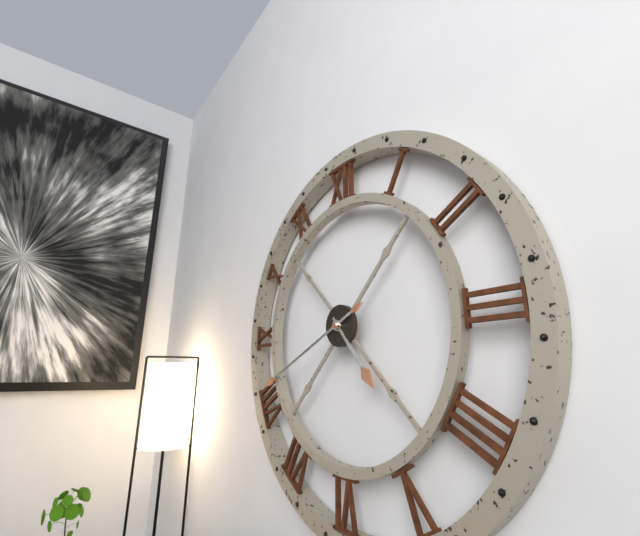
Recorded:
{"hour": 4, "minute": 41}
